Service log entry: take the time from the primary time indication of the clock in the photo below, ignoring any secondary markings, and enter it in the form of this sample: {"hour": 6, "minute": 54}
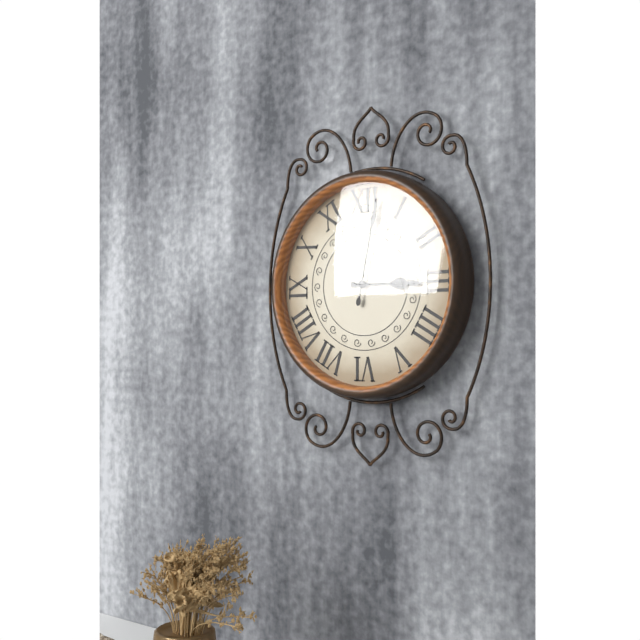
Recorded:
{"hour": 3, "minute": 2}
